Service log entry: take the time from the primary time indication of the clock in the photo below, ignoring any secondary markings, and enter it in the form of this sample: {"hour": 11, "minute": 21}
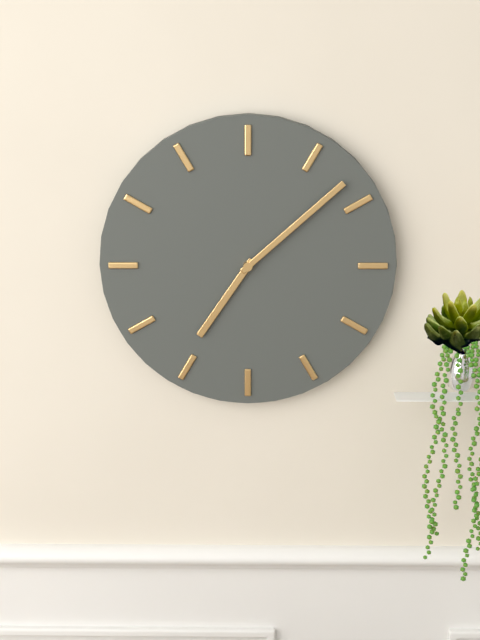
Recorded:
{"hour": 7, "minute": 8}
